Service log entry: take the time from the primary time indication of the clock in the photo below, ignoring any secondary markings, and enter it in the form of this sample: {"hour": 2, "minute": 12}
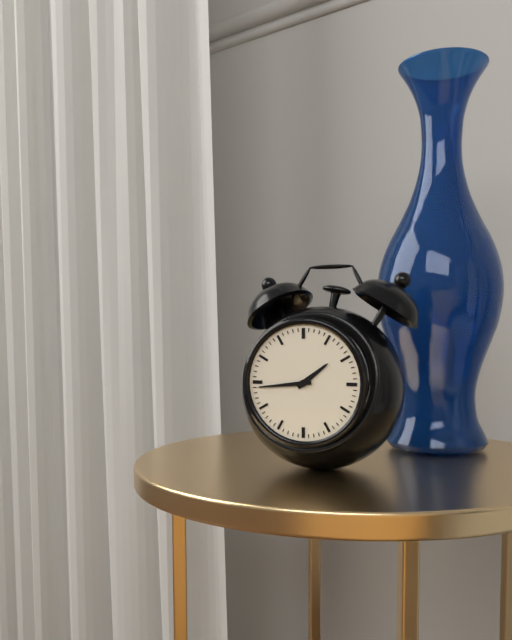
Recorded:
{"hour": 1, "minute": 44}
